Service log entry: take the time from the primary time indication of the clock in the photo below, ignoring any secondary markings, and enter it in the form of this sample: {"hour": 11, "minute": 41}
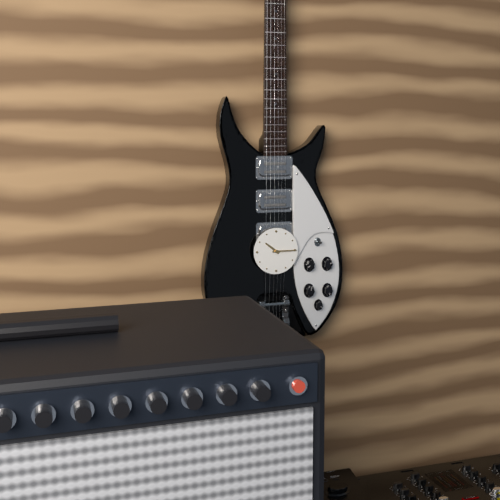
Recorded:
{"hour": 10, "minute": 15}
